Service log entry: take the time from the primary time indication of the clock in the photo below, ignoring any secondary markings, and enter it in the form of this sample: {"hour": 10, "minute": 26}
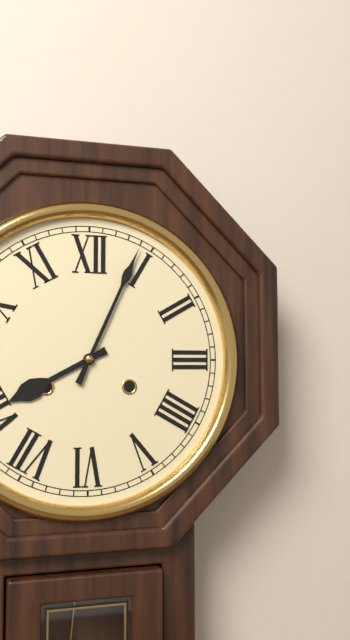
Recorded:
{"hour": 8, "minute": 4}
